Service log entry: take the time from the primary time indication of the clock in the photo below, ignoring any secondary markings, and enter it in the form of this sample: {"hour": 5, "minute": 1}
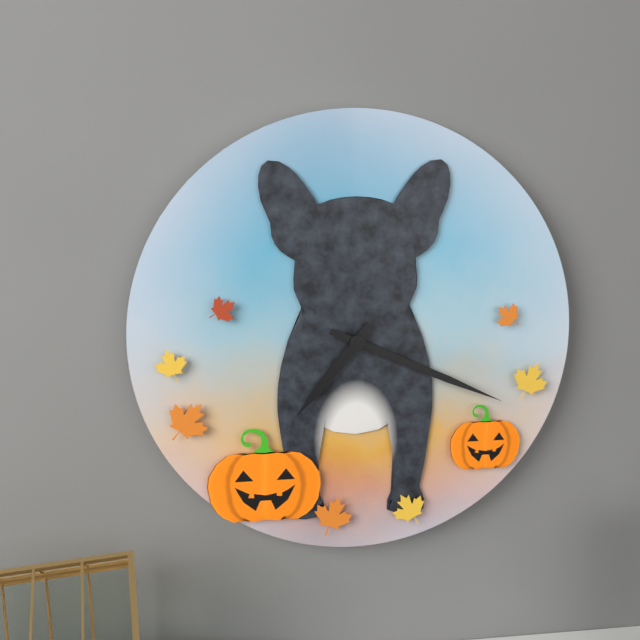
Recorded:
{"hour": 7, "minute": 19}
